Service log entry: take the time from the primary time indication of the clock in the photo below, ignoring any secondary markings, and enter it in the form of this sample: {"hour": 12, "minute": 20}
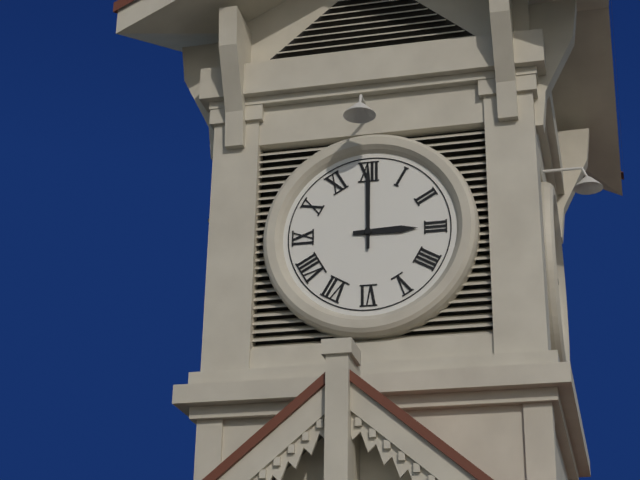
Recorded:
{"hour": 3, "minute": 0}
